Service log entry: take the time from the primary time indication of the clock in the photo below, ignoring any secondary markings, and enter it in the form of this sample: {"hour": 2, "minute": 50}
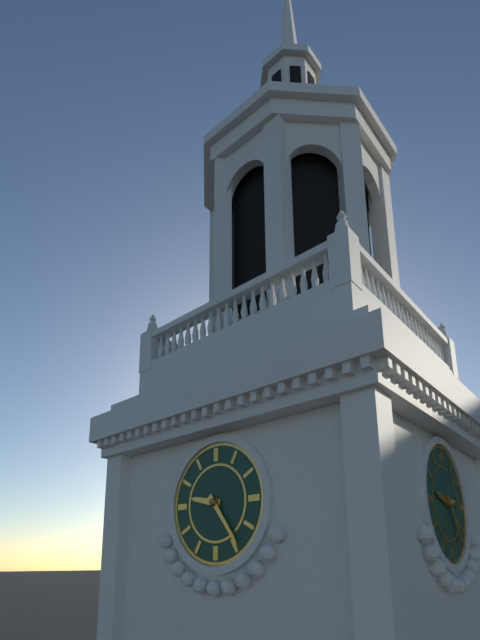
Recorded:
{"hour": 9, "minute": 24}
